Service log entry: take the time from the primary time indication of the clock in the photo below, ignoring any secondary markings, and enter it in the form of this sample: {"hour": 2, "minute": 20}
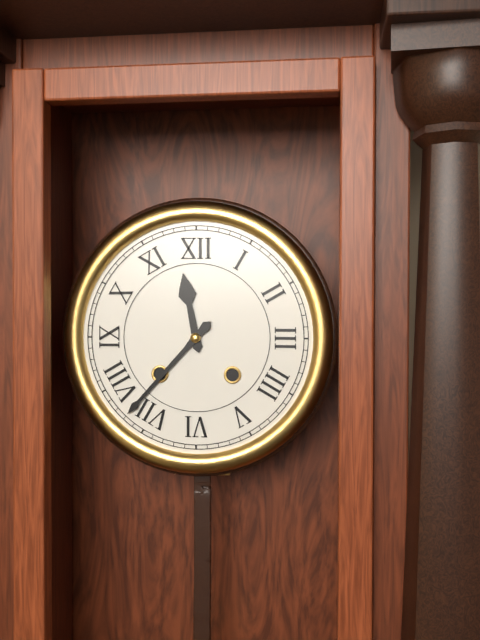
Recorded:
{"hour": 11, "minute": 37}
